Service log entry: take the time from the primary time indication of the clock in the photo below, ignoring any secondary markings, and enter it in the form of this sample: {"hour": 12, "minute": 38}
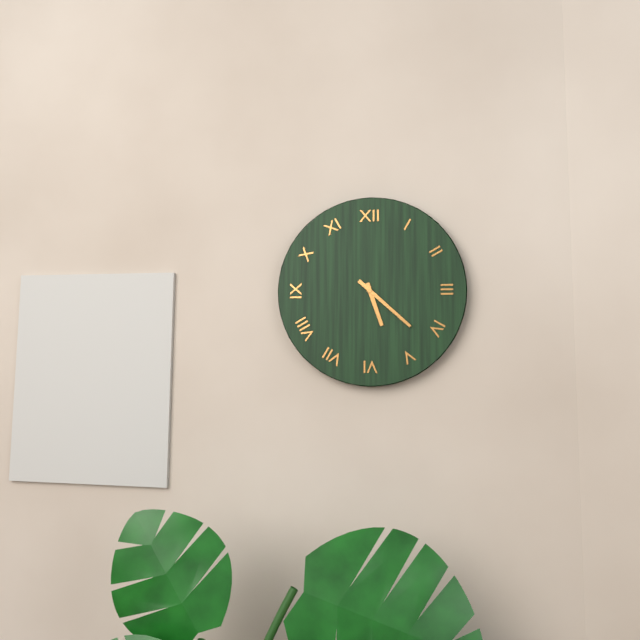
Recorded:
{"hour": 5, "minute": 22}
